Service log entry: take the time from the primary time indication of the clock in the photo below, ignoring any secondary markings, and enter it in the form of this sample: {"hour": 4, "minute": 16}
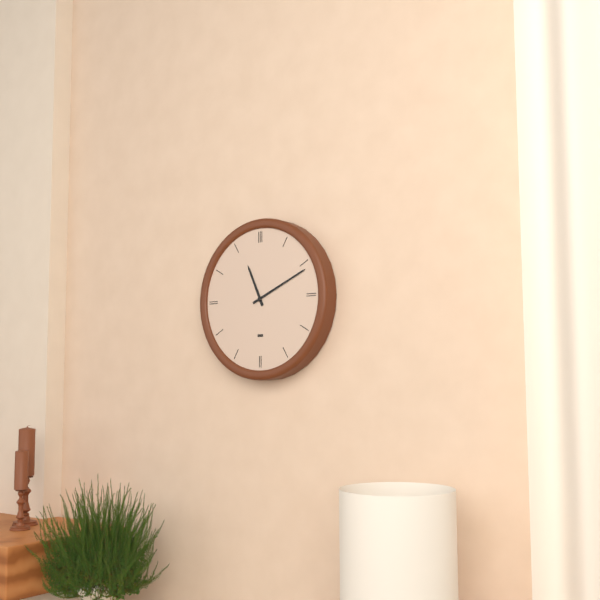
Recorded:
{"hour": 11, "minute": 11}
